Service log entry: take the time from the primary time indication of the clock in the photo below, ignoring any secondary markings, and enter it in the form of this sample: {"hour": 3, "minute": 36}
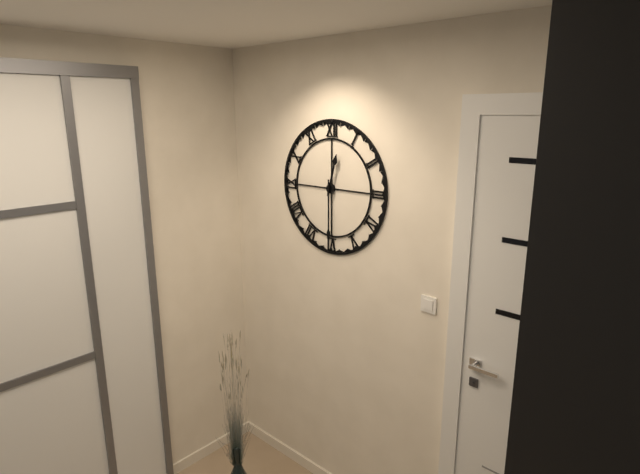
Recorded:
{"hour": 12, "minute": 30}
